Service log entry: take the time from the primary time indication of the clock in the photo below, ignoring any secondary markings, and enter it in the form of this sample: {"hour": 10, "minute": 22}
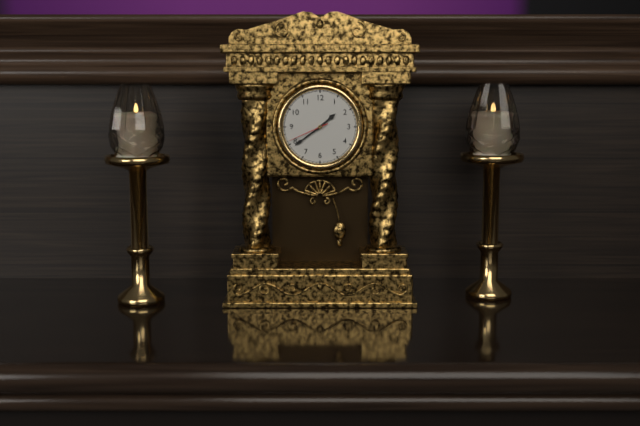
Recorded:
{"hour": 1, "minute": 39}
